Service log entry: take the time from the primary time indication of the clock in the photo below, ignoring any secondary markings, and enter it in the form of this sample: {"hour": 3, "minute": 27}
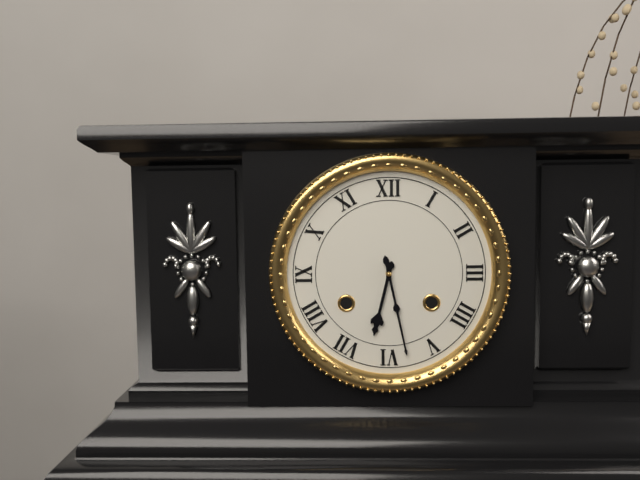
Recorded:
{"hour": 6, "minute": 28}
